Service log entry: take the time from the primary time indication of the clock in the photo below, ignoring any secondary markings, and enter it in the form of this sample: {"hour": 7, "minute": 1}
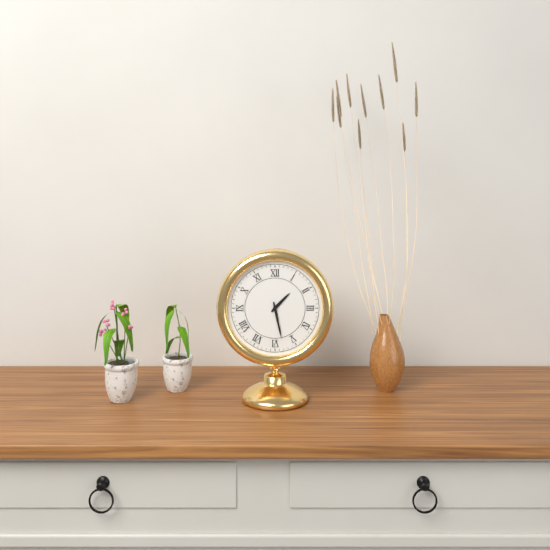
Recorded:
{"hour": 1, "minute": 28}
